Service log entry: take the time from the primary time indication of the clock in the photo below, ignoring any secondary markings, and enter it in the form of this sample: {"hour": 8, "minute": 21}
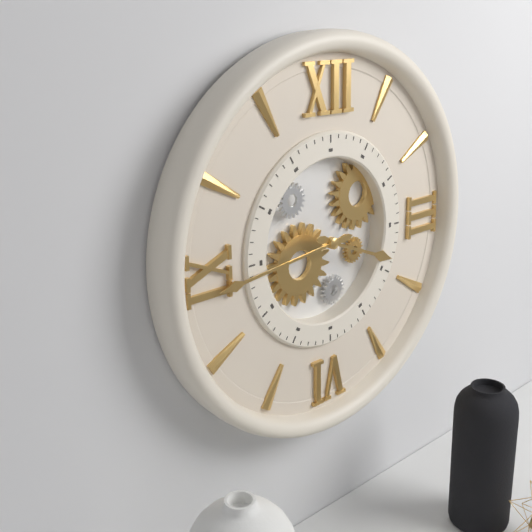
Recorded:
{"hour": 3, "minute": 44}
